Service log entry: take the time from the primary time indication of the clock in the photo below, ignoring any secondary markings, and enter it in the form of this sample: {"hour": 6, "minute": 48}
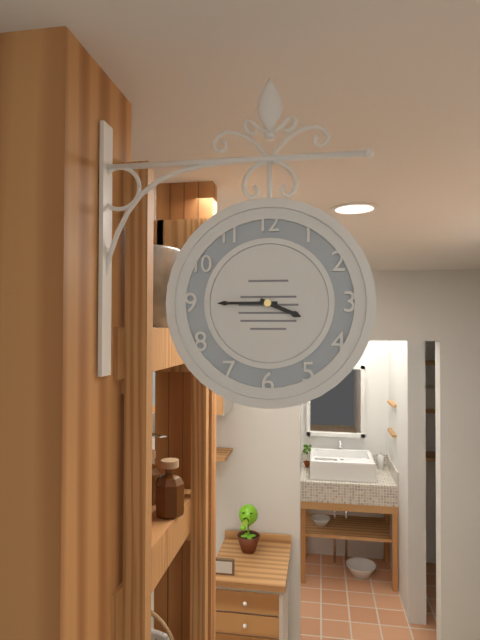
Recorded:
{"hour": 3, "minute": 45}
